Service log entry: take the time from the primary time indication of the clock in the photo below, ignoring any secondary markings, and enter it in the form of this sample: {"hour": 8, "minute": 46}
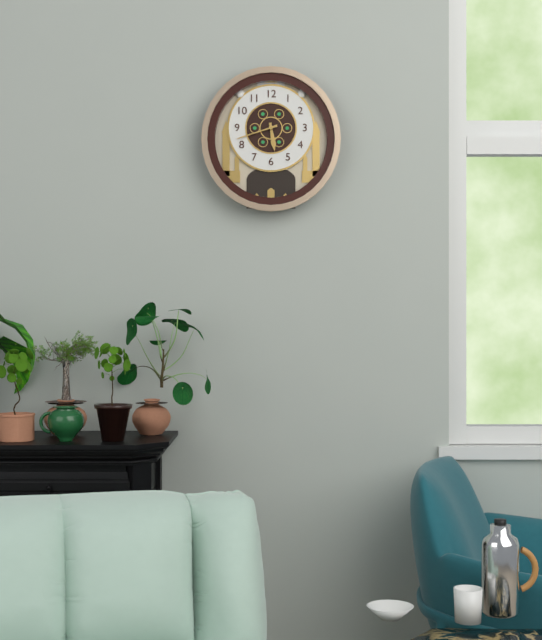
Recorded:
{"hour": 5, "minute": 42}
